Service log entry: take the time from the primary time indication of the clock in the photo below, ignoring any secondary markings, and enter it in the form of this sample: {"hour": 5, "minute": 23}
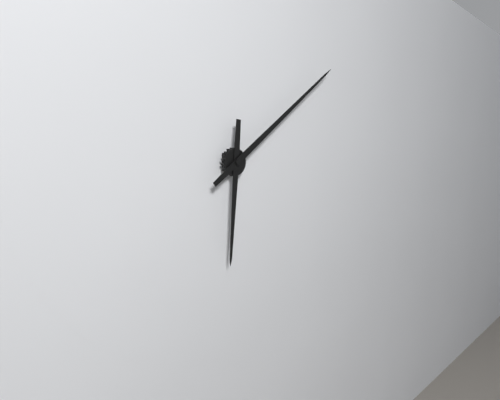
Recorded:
{"hour": 6, "minute": 9}
